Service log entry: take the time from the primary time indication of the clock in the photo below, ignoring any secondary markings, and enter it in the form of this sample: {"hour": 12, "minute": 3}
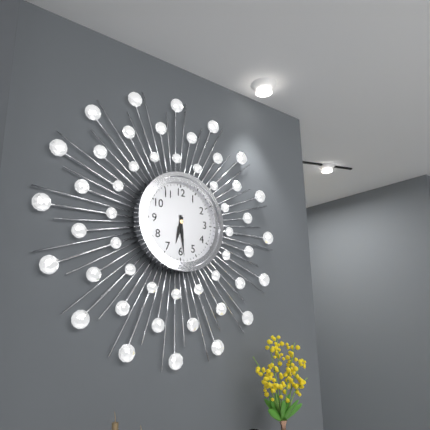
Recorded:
{"hour": 6, "minute": 29}
